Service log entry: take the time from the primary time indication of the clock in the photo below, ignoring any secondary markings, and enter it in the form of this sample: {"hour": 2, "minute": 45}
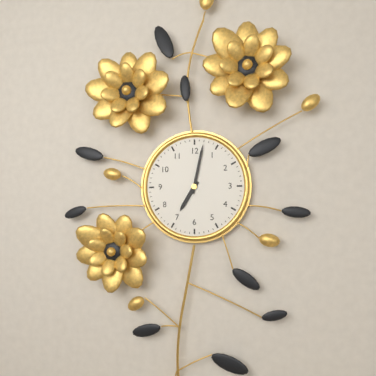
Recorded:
{"hour": 7, "minute": 2}
